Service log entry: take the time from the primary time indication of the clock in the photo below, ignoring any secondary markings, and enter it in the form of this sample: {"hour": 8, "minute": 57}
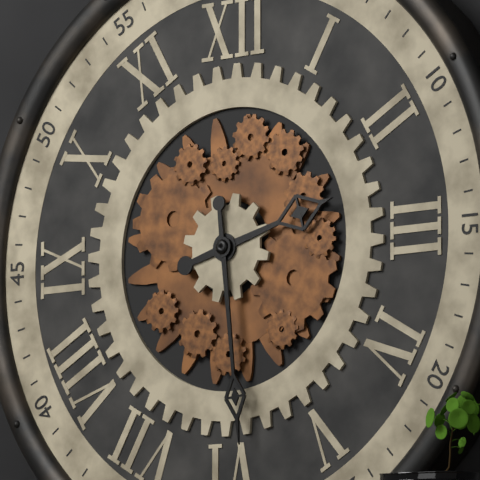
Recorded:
{"hour": 2, "minute": 29}
